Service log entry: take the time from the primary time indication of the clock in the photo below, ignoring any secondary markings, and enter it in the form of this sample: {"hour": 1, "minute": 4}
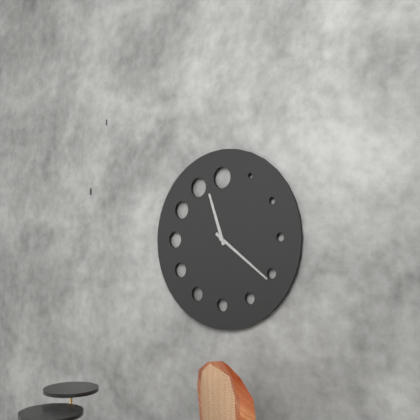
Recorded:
{"hour": 11, "minute": 21}
